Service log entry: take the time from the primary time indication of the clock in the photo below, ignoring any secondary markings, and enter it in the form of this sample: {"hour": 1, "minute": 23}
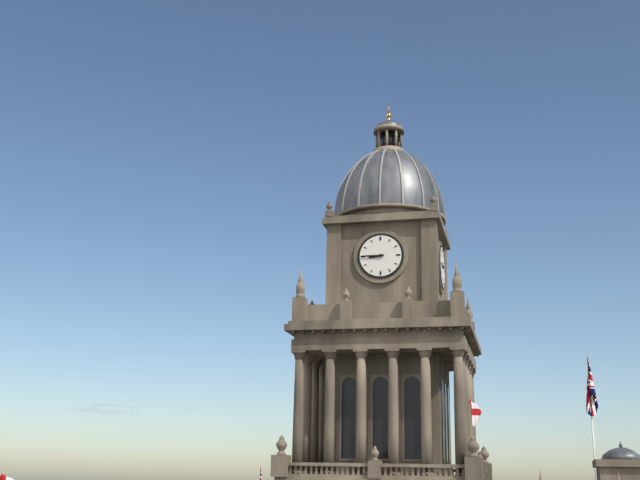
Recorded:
{"hour": 8, "minute": 45}
